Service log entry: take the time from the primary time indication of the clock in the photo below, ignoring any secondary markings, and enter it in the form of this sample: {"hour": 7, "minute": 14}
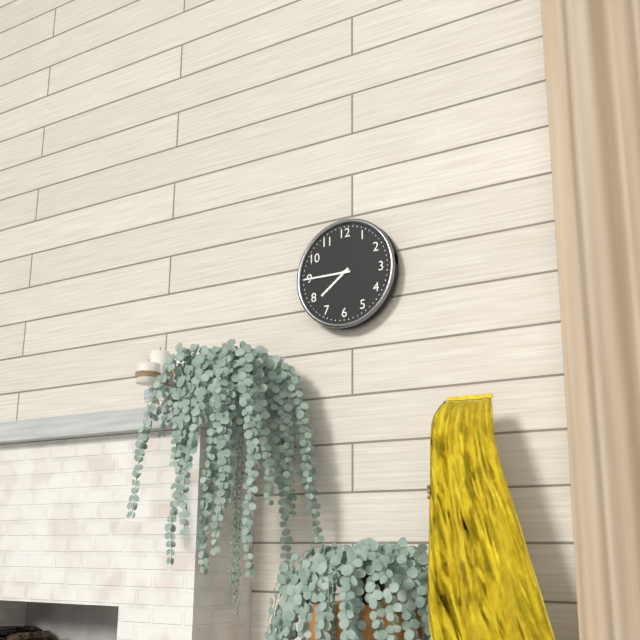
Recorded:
{"hour": 7, "minute": 45}
